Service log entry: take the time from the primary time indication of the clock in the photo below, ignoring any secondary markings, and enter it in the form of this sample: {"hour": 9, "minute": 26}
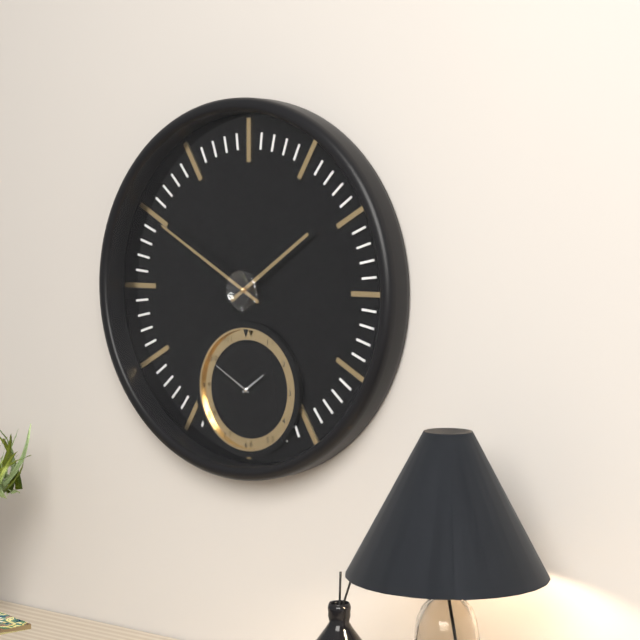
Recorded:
{"hour": 1, "minute": 50}
